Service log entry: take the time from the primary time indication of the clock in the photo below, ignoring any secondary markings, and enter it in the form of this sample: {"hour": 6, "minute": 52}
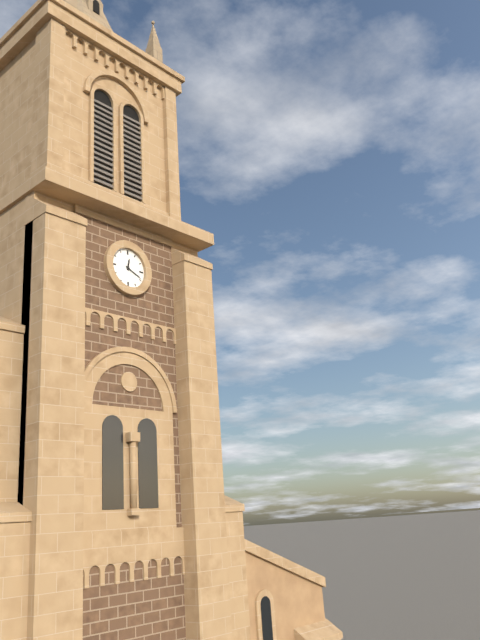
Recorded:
{"hour": 12, "minute": 19}
